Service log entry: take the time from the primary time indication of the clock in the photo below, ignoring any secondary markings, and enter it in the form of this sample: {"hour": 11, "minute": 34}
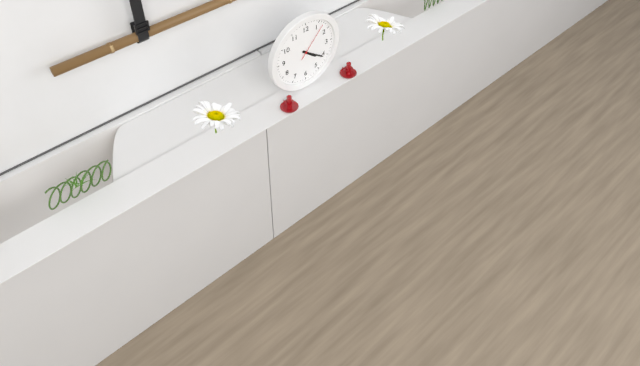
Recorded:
{"hour": 4, "minute": 21}
